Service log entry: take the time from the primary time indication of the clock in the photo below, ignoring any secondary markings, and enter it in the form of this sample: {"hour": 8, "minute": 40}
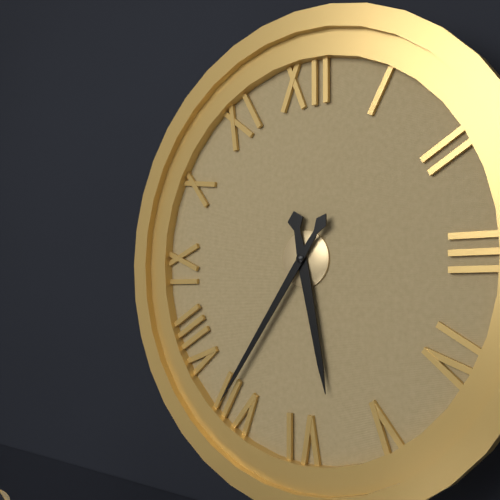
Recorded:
{"hour": 5, "minute": 36}
